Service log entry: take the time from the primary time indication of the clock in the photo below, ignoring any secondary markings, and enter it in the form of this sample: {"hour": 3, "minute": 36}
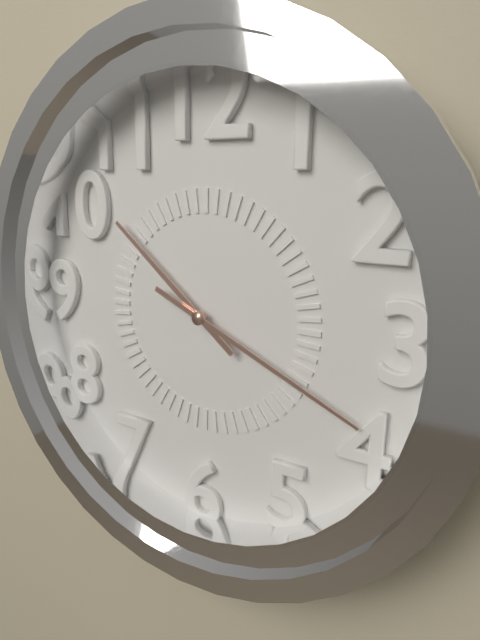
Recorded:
{"hour": 10, "minute": 19}
